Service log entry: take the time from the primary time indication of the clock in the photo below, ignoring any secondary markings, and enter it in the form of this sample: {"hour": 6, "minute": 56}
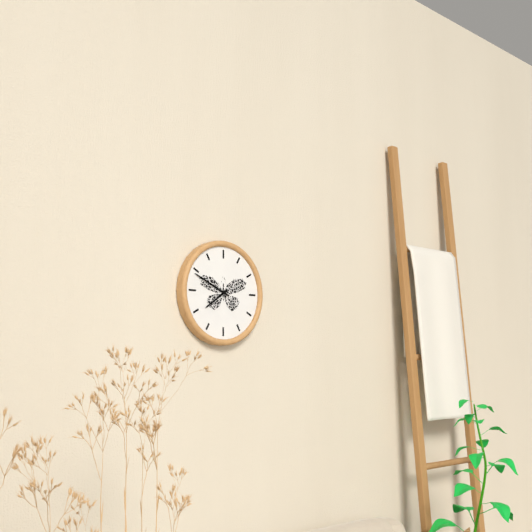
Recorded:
{"hour": 7, "minute": 49}
